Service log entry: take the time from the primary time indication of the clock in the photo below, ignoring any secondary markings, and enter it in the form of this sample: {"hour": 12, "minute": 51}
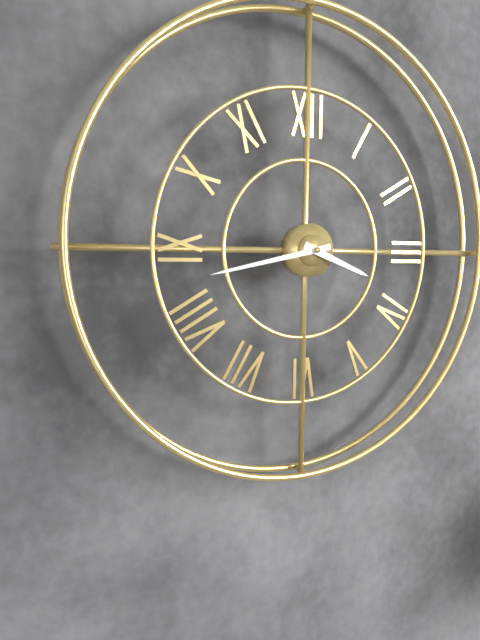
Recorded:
{"hour": 3, "minute": 43}
